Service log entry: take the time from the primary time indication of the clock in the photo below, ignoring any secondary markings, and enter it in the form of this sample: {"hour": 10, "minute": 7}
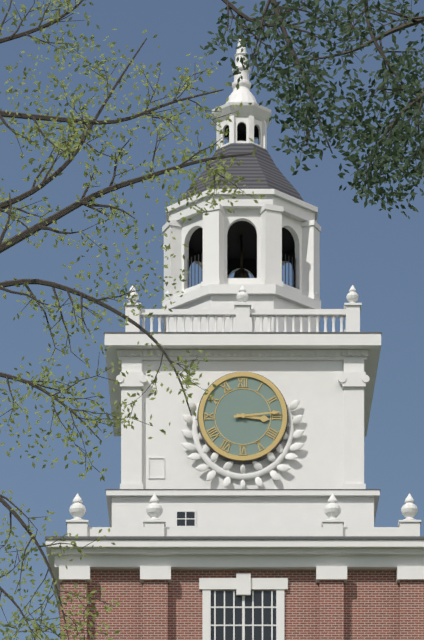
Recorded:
{"hour": 3, "minute": 14}
